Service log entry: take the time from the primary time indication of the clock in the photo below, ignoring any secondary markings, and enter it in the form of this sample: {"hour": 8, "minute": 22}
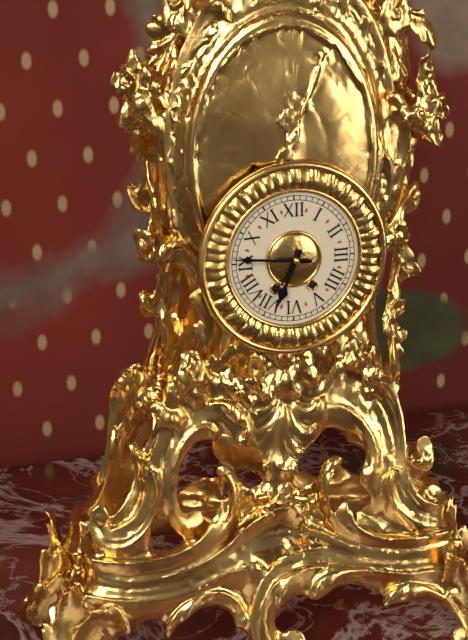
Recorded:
{"hour": 6, "minute": 46}
